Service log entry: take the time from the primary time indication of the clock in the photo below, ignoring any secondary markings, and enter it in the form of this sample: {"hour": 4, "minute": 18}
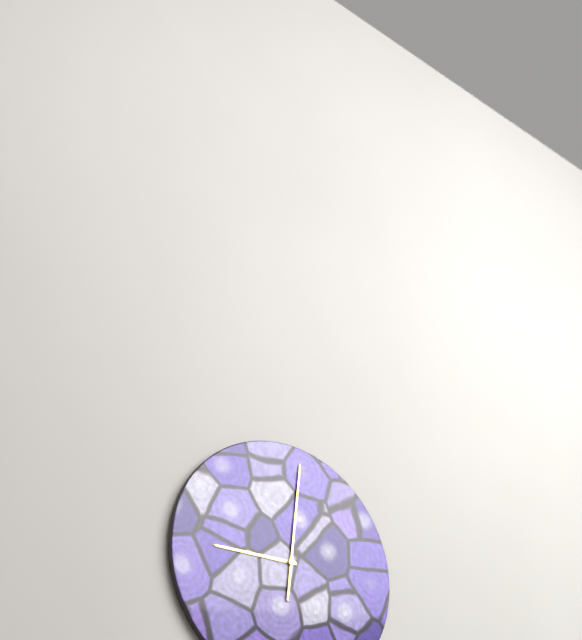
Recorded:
{"hour": 9, "minute": 1}
